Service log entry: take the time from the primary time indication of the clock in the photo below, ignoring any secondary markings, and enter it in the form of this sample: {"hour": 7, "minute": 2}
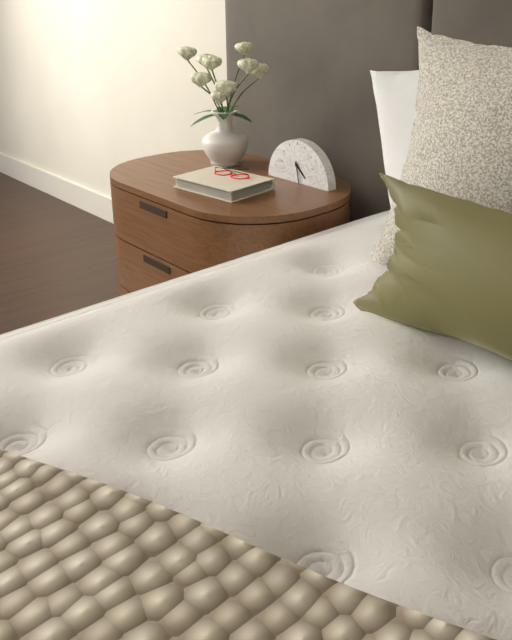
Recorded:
{"hour": 4, "minute": 28}
